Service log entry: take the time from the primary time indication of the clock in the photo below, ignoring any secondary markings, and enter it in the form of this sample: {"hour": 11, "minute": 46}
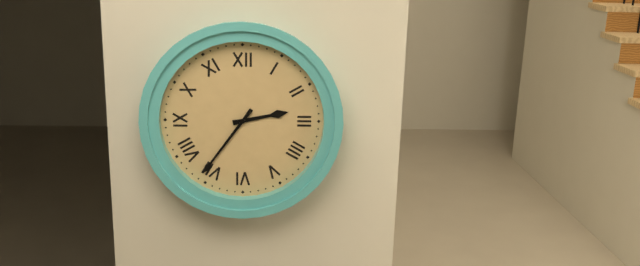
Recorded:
{"hour": 2, "minute": 36}
